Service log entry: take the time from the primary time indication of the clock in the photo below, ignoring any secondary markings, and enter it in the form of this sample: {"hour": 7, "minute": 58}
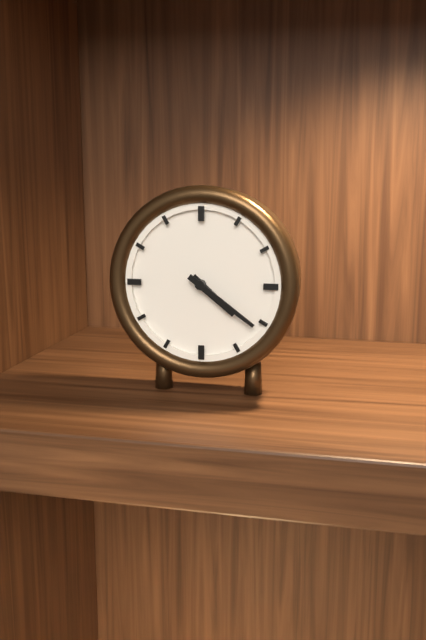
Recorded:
{"hour": 4, "minute": 21}
